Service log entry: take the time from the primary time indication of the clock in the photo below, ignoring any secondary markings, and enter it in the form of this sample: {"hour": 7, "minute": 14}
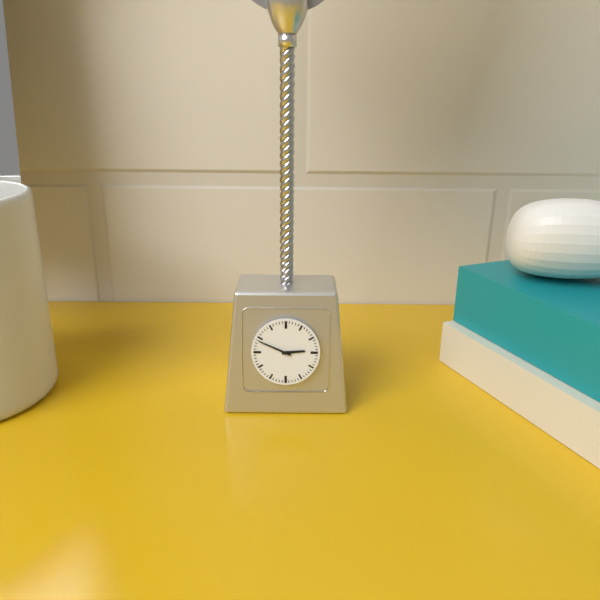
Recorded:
{"hour": 2, "minute": 49}
